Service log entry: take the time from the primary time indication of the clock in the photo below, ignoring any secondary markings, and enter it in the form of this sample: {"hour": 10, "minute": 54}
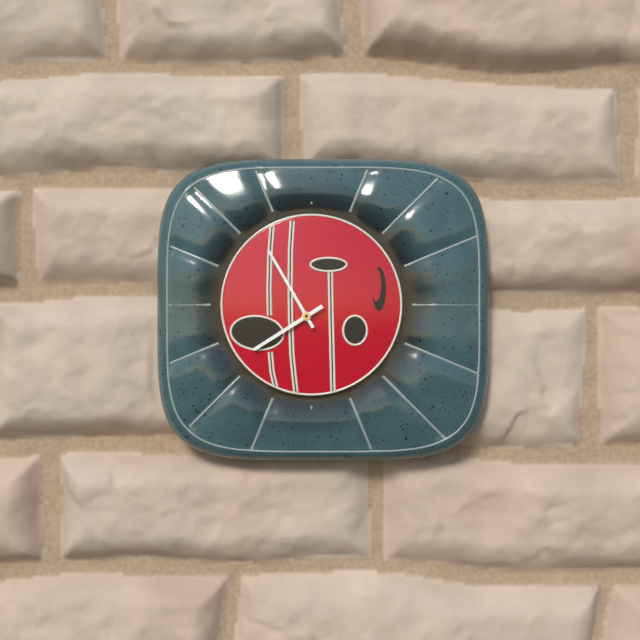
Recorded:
{"hour": 7, "minute": 55}
